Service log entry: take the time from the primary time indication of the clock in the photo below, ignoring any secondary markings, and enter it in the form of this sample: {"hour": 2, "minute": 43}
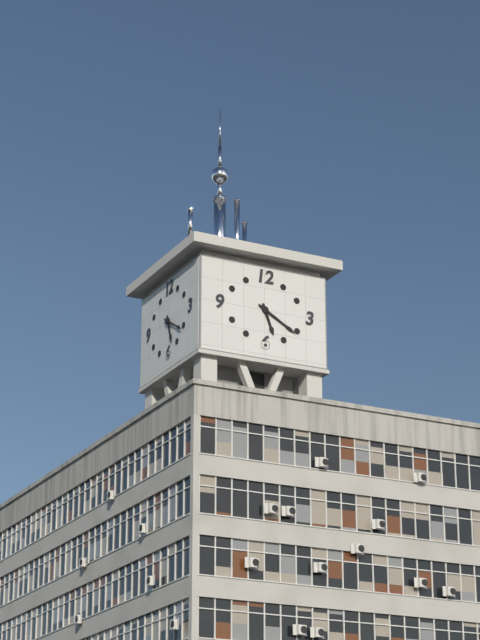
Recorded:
{"hour": 5, "minute": 20}
